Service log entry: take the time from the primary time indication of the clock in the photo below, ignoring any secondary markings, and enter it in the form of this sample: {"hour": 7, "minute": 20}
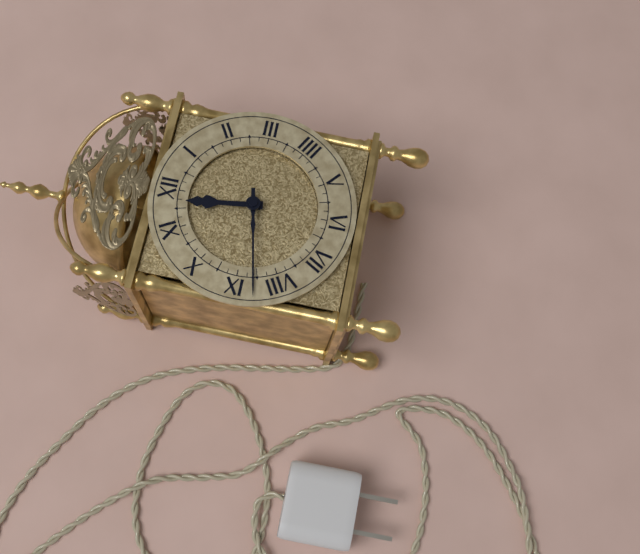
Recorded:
{"hour": 11, "minute": 43}
